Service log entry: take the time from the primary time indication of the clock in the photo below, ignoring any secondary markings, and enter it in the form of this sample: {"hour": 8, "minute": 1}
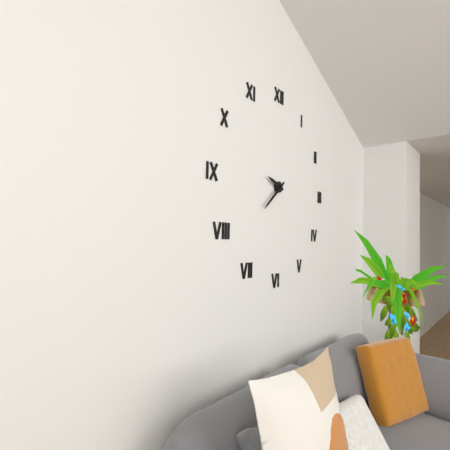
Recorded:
{"hour": 9, "minute": 38}
